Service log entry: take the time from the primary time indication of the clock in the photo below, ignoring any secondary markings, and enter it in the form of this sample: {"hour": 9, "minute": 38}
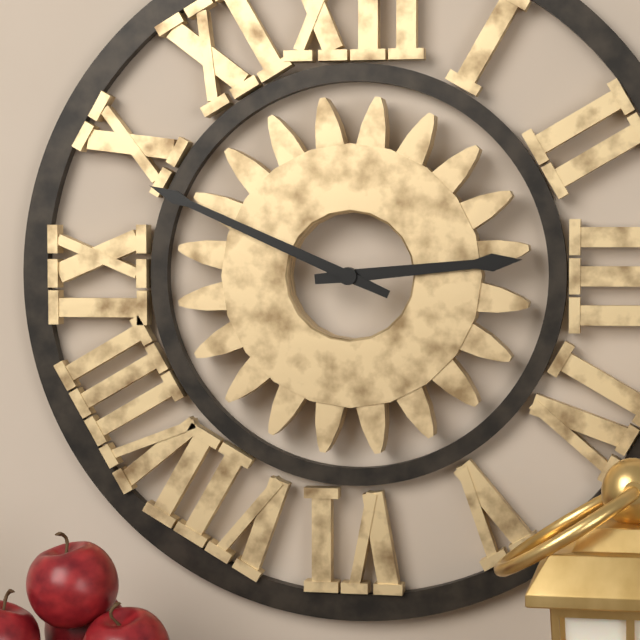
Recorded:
{"hour": 2, "minute": 49}
